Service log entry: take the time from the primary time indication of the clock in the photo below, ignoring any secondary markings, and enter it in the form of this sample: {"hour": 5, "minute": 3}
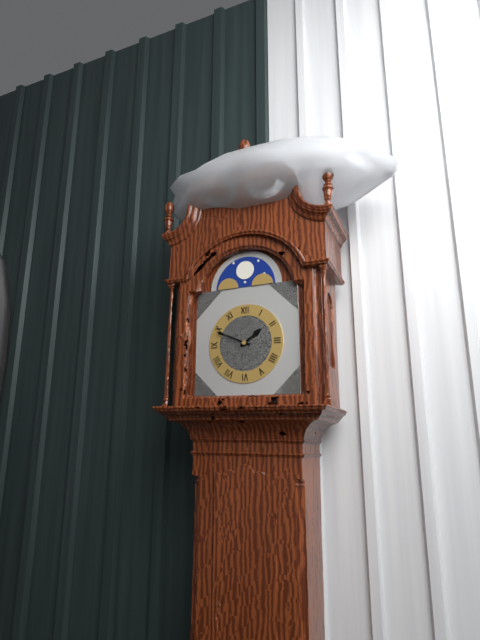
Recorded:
{"hour": 1, "minute": 49}
